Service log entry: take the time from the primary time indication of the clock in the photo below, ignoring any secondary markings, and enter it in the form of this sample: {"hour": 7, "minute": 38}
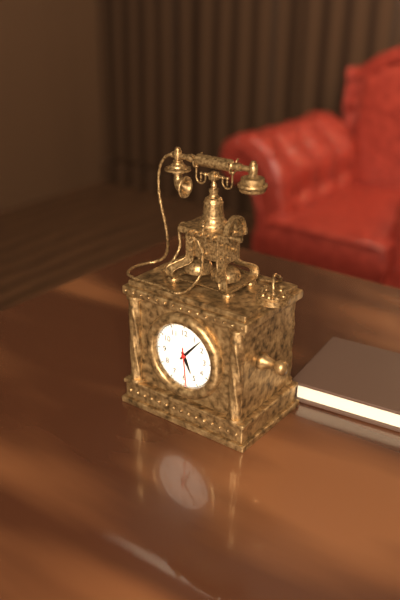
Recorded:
{"hour": 5, "minute": 7}
